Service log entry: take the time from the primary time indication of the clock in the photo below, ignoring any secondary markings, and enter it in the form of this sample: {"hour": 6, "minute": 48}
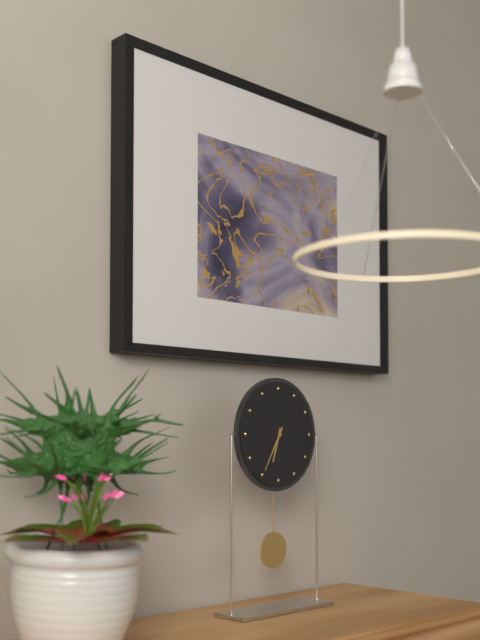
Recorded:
{"hour": 6, "minute": 35}
